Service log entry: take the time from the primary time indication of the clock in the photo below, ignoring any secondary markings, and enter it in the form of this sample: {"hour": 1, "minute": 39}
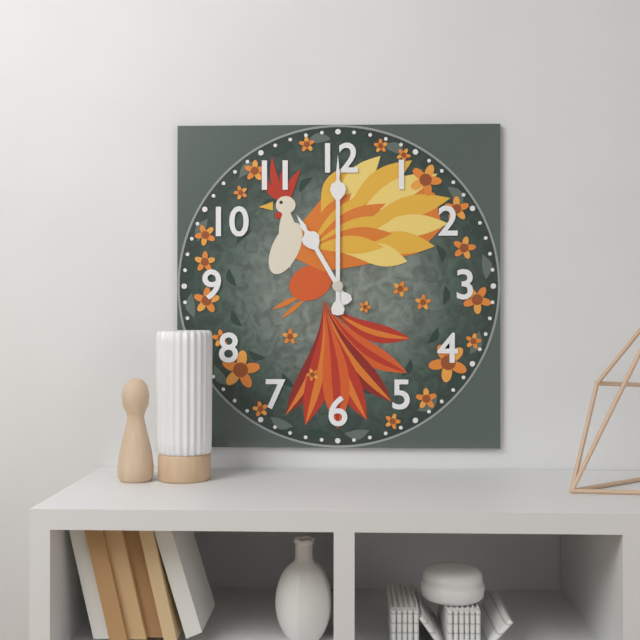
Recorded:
{"hour": 11, "minute": 0}
